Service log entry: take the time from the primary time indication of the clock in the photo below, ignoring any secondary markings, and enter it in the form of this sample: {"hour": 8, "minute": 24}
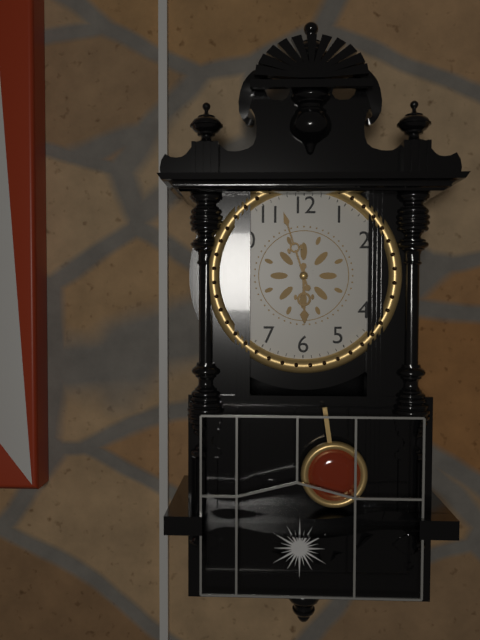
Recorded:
{"hour": 5, "minute": 57}
